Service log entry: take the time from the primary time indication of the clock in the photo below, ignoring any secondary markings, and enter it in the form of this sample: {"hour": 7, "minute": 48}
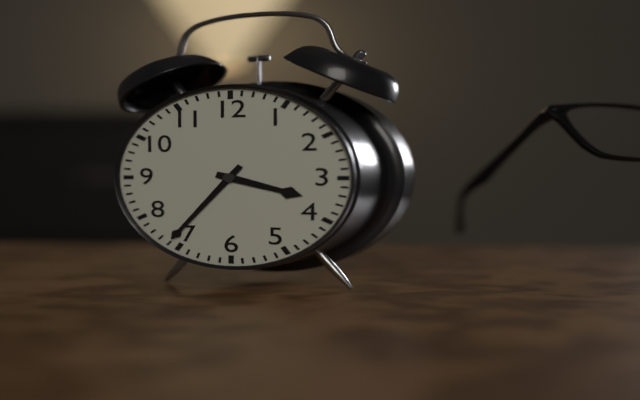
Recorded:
{"hour": 3, "minute": 36}
